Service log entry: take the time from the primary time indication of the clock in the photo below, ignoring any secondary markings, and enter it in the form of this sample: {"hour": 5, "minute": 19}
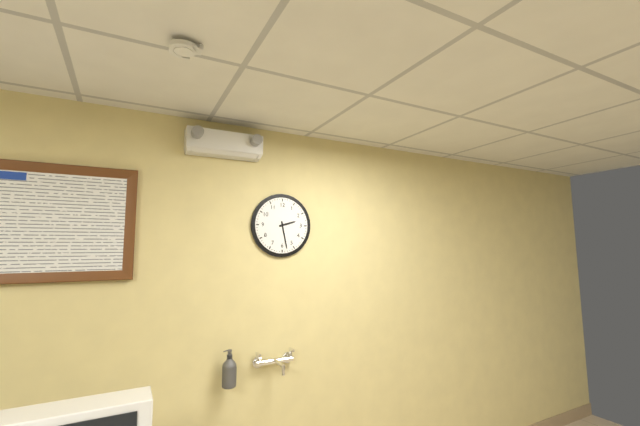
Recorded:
{"hour": 2, "minute": 28}
